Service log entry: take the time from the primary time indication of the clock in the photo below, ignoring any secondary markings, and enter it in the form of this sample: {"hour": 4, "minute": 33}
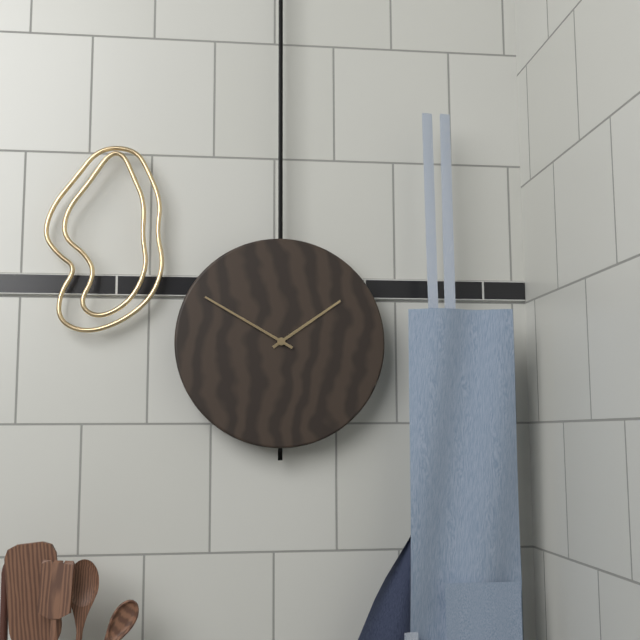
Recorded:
{"hour": 1, "minute": 50}
